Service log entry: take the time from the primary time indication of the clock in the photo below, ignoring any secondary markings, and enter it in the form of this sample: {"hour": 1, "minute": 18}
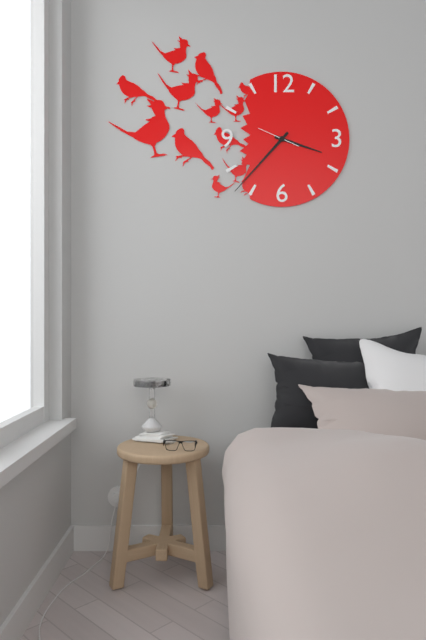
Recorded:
{"hour": 3, "minute": 37}
